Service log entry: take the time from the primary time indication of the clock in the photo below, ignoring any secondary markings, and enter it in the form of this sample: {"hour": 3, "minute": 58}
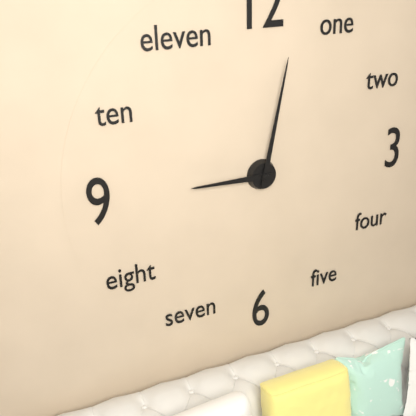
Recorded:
{"hour": 9, "minute": 2}
